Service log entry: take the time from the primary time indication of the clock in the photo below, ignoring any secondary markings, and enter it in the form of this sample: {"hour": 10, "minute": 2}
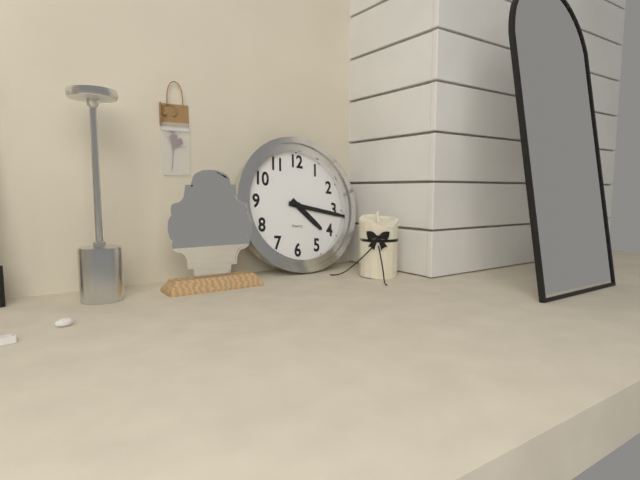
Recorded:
{"hour": 4, "minute": 16}
